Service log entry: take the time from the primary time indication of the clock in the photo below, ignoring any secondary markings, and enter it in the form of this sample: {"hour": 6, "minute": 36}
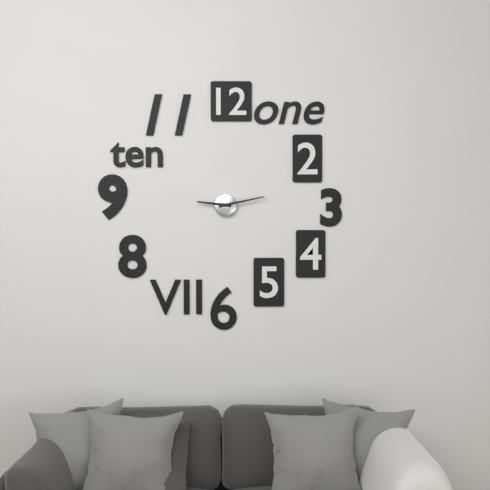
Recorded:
{"hour": 9, "minute": 13}
